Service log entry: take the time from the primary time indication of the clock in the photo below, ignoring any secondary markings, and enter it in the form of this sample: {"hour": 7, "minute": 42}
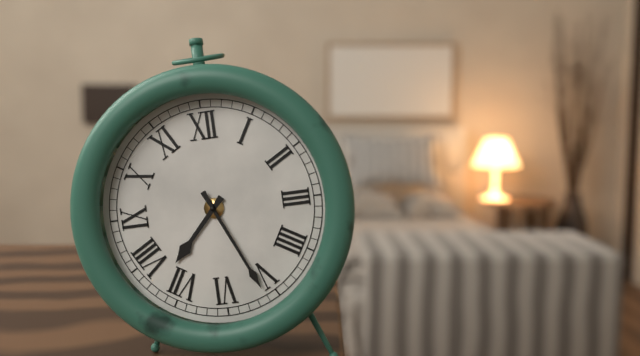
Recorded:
{"hour": 7, "minute": 26}
